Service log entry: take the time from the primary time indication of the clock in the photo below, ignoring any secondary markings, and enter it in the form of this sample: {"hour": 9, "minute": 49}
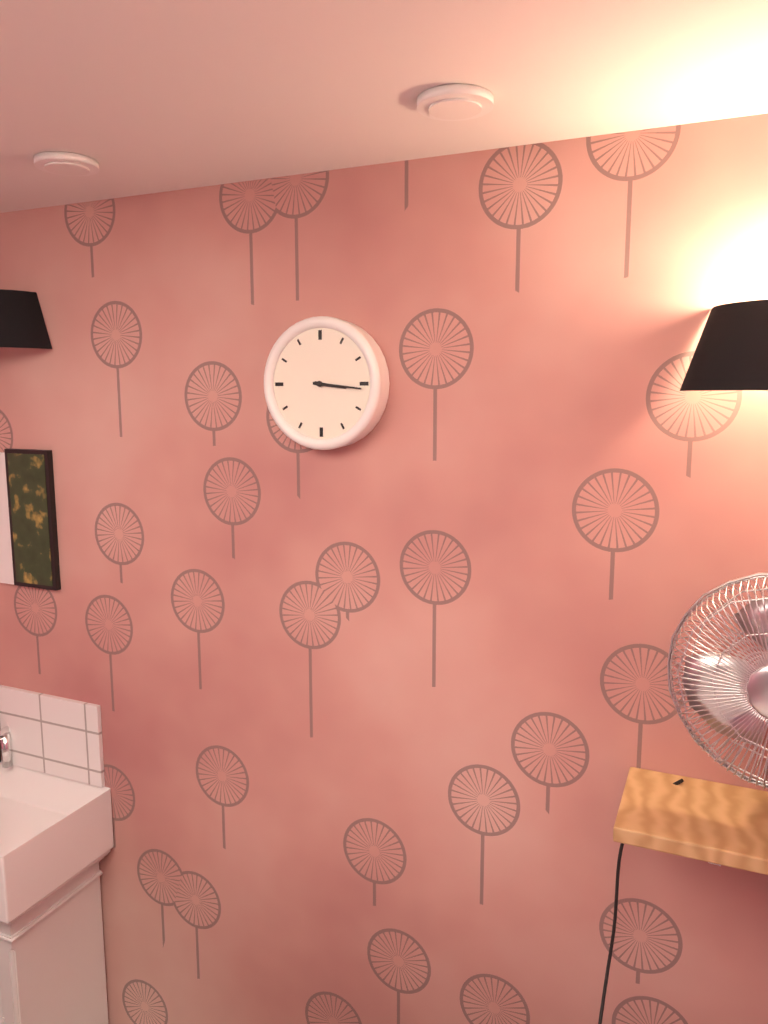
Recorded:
{"hour": 3, "minute": 16}
